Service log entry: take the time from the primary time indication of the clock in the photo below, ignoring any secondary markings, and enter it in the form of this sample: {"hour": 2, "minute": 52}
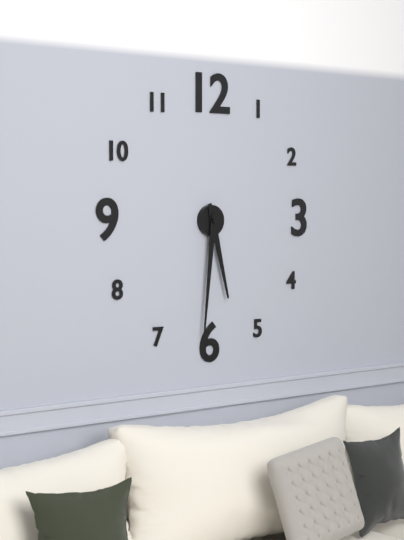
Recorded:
{"hour": 5, "minute": 31}
